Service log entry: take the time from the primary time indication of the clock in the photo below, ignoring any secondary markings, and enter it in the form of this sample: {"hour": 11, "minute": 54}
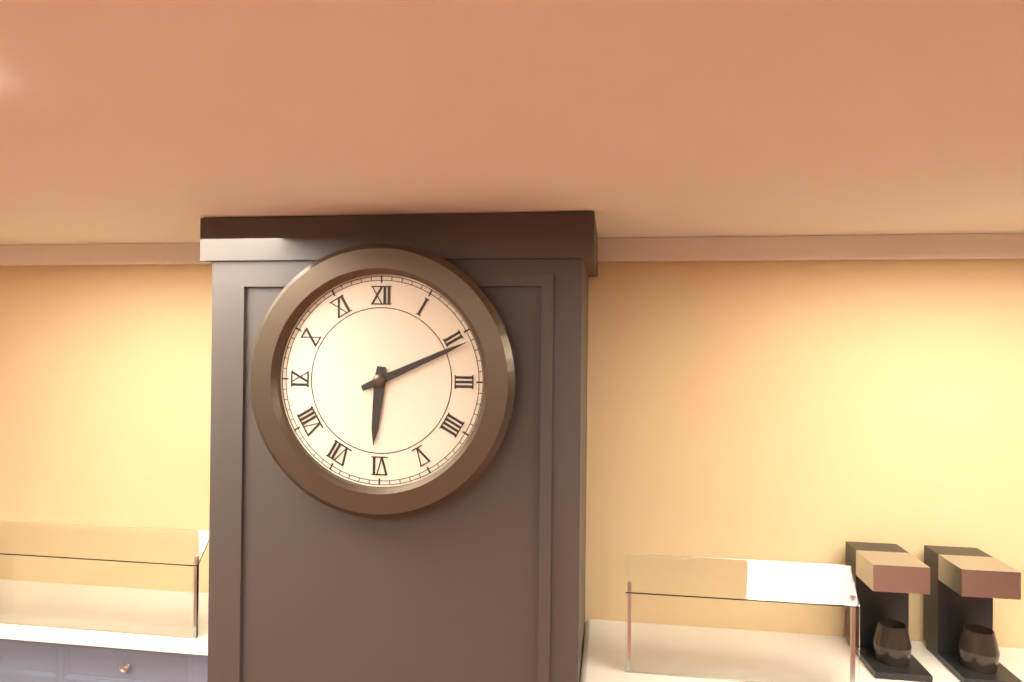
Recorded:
{"hour": 6, "minute": 11}
